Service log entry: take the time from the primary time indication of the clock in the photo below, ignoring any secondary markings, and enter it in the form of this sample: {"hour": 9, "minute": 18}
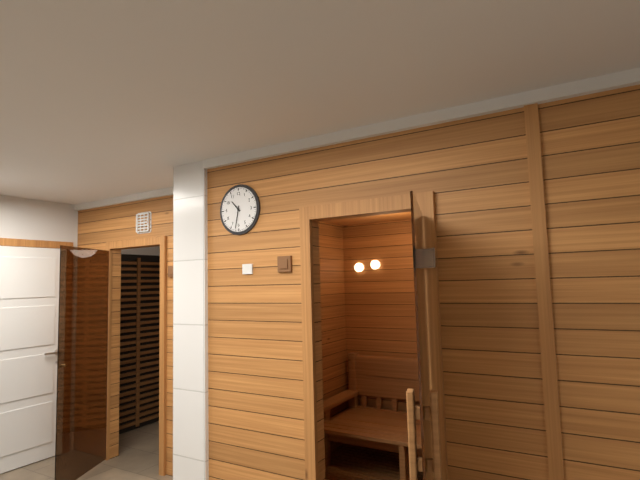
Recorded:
{"hour": 10, "minute": 32}
